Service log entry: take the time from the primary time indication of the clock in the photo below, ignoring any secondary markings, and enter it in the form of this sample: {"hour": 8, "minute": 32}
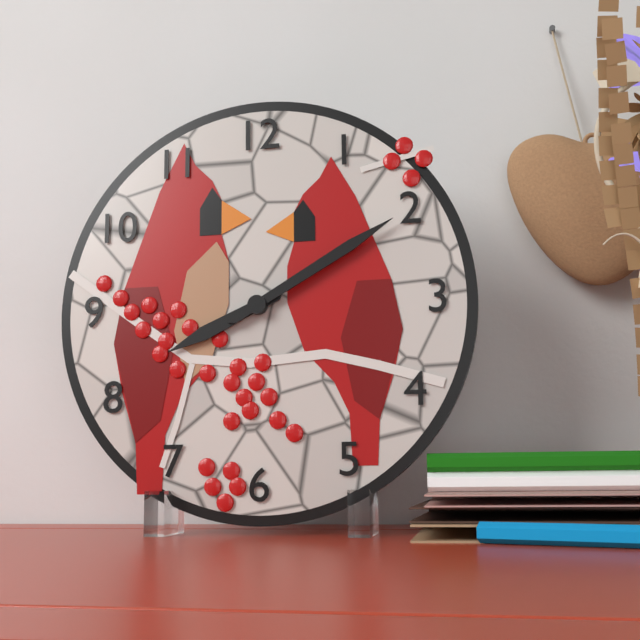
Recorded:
{"hour": 8, "minute": 10}
